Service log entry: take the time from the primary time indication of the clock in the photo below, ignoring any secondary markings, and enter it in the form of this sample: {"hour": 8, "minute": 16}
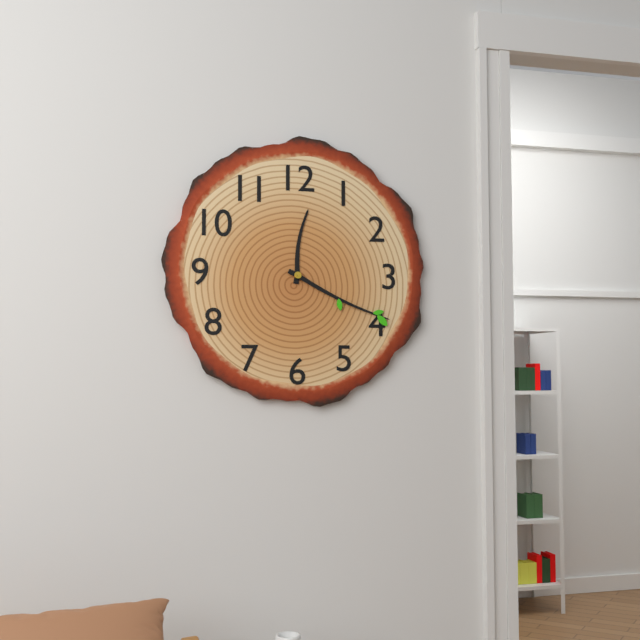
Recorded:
{"hour": 12, "minute": 19}
